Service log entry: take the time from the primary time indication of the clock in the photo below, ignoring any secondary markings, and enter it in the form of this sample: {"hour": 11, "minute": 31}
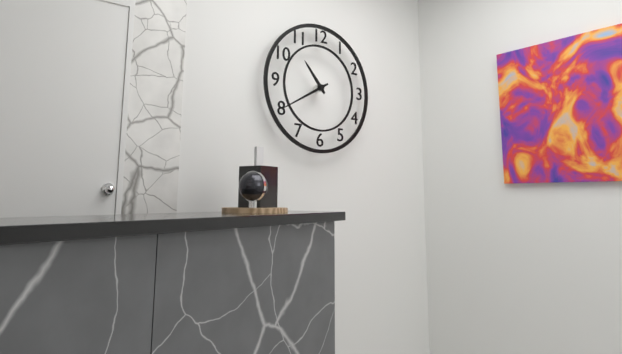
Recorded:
{"hour": 10, "minute": 40}
